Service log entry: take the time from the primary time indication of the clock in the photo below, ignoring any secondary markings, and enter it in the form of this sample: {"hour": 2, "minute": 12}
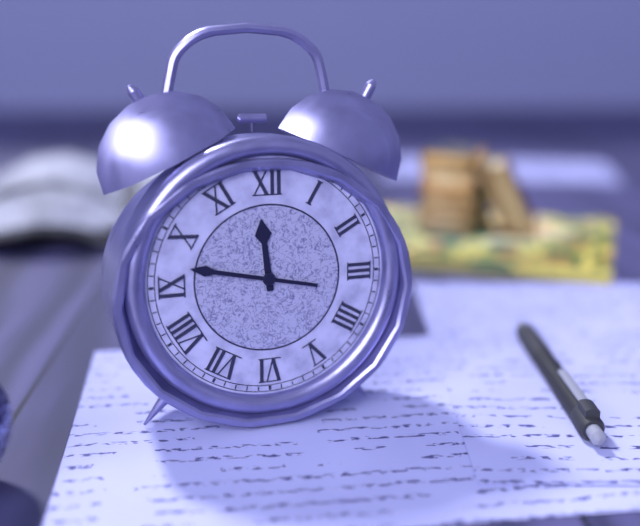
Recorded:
{"hour": 11, "minute": 47}
